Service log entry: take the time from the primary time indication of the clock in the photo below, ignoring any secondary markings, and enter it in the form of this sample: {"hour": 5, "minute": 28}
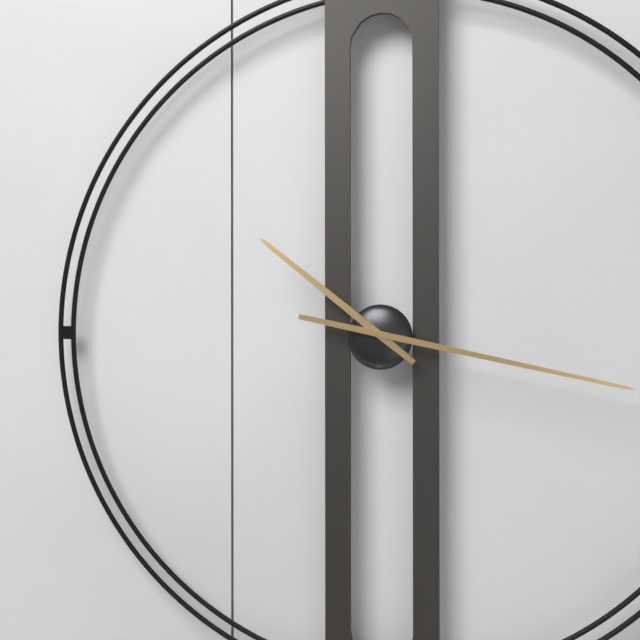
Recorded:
{"hour": 10, "minute": 17}
